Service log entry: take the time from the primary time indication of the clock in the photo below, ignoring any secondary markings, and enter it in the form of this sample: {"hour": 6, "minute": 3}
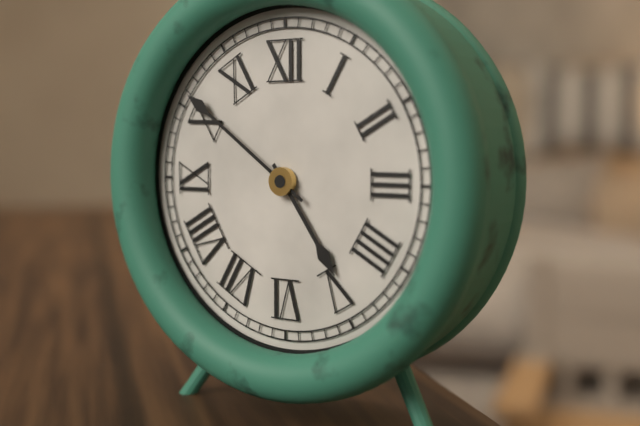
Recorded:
{"hour": 4, "minute": 51}
